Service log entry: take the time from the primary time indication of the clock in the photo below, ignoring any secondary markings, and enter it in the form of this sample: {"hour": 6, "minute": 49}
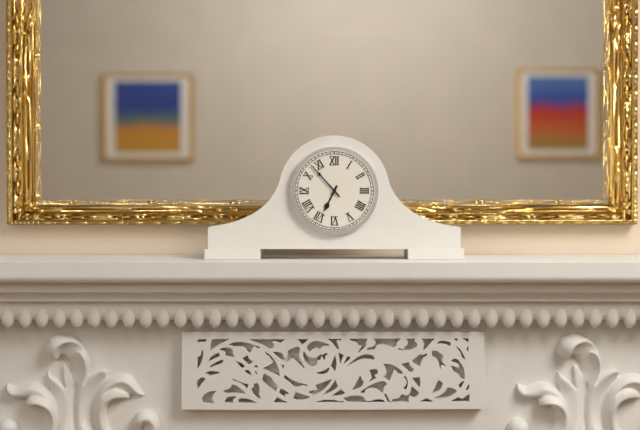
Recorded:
{"hour": 6, "minute": 53}
